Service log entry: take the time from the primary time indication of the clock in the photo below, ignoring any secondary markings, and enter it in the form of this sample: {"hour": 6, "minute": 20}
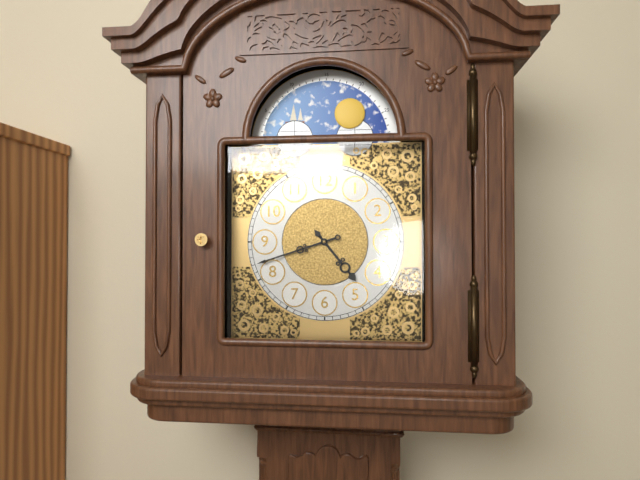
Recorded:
{"hour": 4, "minute": 42}
